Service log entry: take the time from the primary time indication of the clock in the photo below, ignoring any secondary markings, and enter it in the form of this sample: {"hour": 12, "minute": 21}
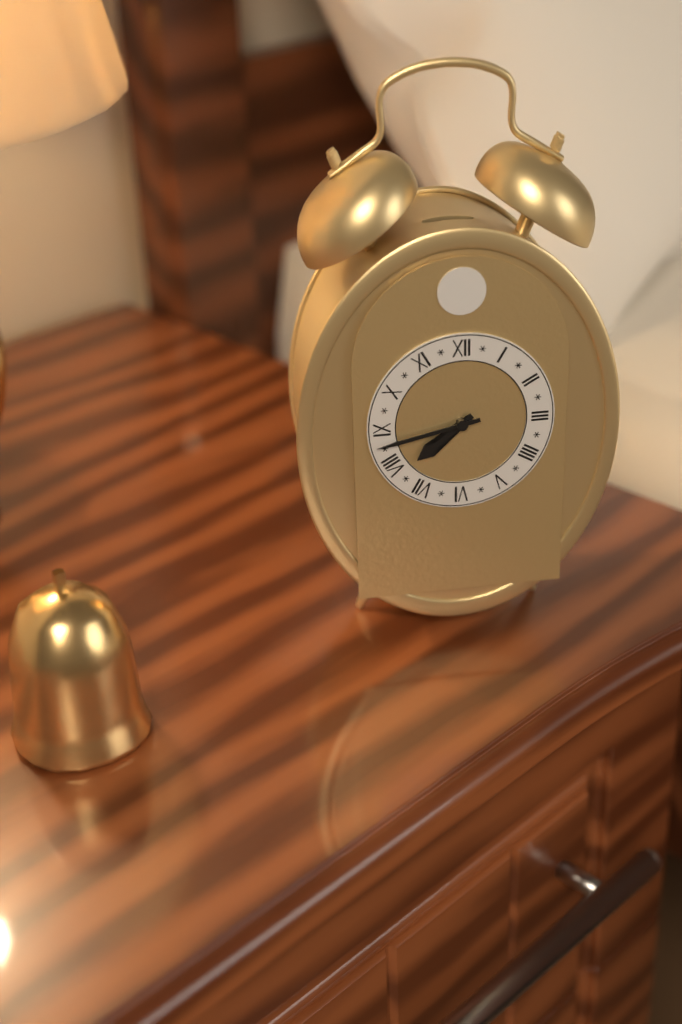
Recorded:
{"hour": 7, "minute": 43}
